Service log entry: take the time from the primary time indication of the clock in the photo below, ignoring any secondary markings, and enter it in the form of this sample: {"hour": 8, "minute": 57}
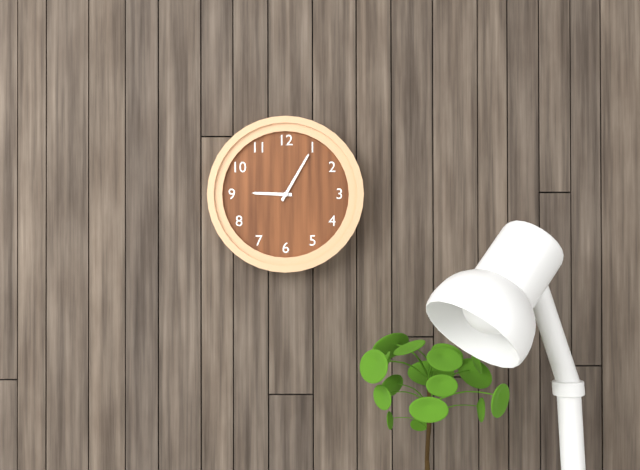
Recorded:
{"hour": 9, "minute": 5}
